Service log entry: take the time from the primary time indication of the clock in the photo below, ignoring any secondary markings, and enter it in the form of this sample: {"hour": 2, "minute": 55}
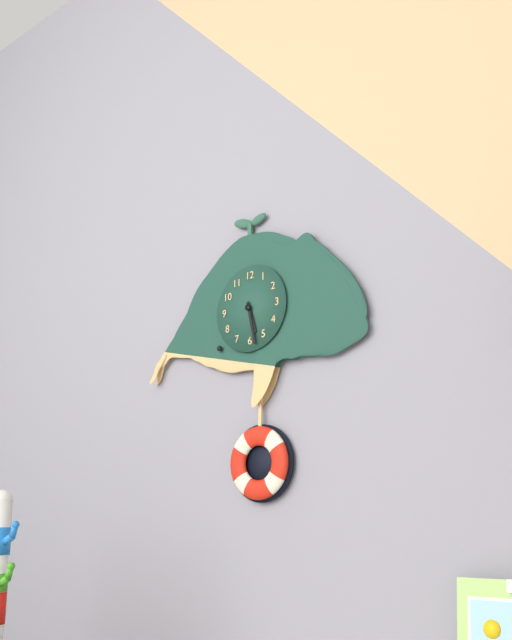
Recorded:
{"hour": 5, "minute": 28}
